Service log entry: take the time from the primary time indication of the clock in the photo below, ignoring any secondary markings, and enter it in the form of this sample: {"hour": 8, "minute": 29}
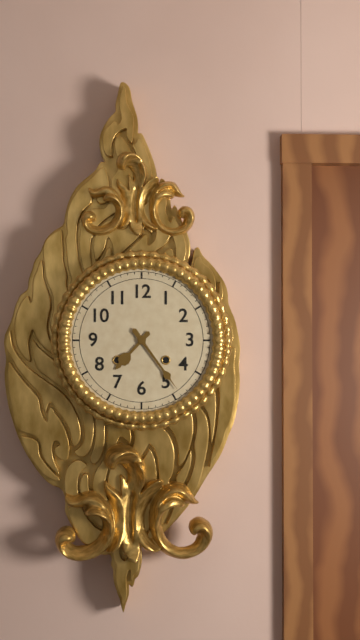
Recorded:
{"hour": 7, "minute": 24}
